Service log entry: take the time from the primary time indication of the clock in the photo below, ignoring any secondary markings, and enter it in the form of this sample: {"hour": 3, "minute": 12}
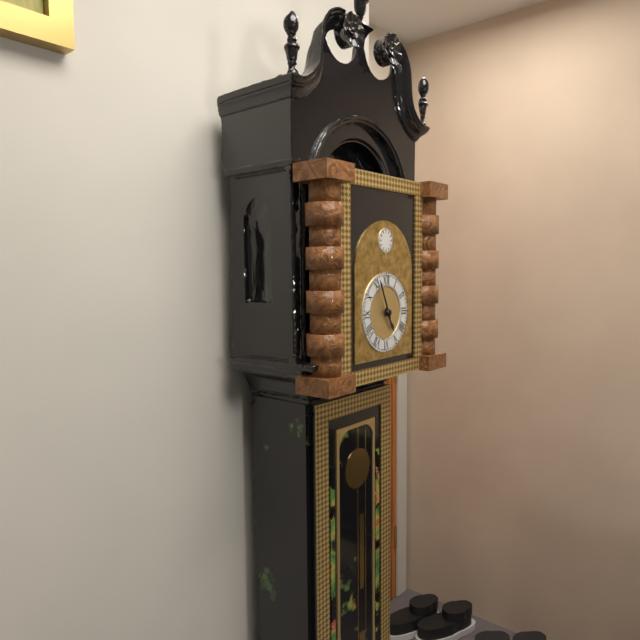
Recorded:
{"hour": 4, "minute": 56}
